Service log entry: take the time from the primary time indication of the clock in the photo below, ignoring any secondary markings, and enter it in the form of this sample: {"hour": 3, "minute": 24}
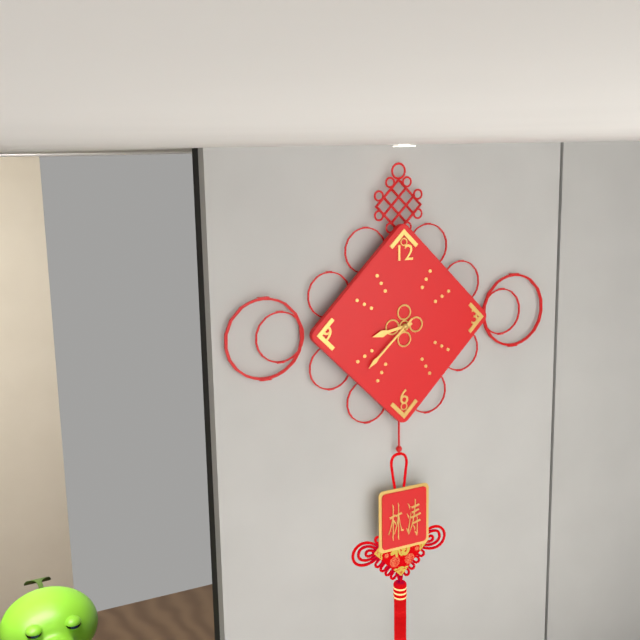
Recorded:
{"hour": 8, "minute": 38}
